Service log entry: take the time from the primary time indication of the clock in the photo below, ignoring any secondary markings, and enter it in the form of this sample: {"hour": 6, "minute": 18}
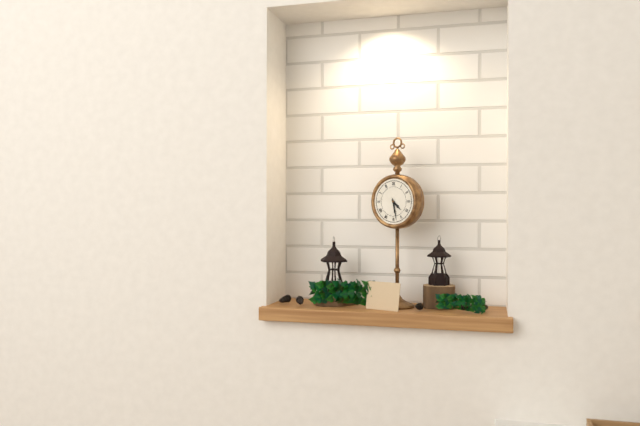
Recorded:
{"hour": 4, "minute": 28}
